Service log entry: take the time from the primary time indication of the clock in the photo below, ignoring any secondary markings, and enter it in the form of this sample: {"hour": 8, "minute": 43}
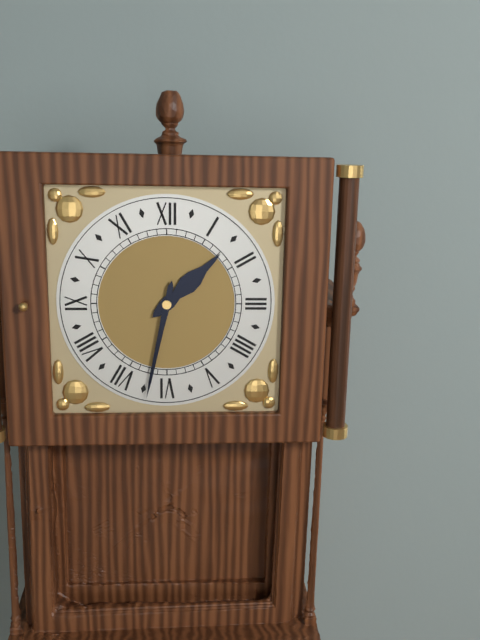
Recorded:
{"hour": 1, "minute": 32}
